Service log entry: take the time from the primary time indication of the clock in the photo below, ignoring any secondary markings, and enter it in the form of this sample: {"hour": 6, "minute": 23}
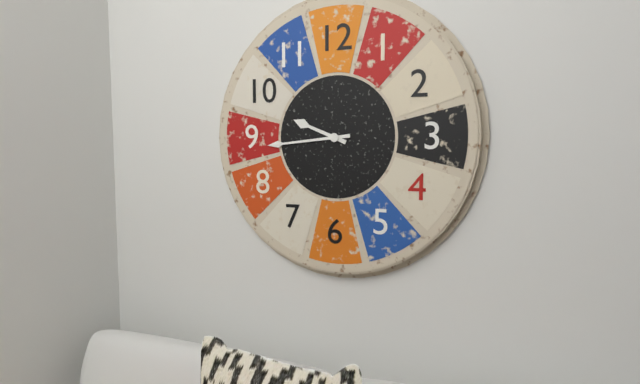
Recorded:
{"hour": 9, "minute": 44}
